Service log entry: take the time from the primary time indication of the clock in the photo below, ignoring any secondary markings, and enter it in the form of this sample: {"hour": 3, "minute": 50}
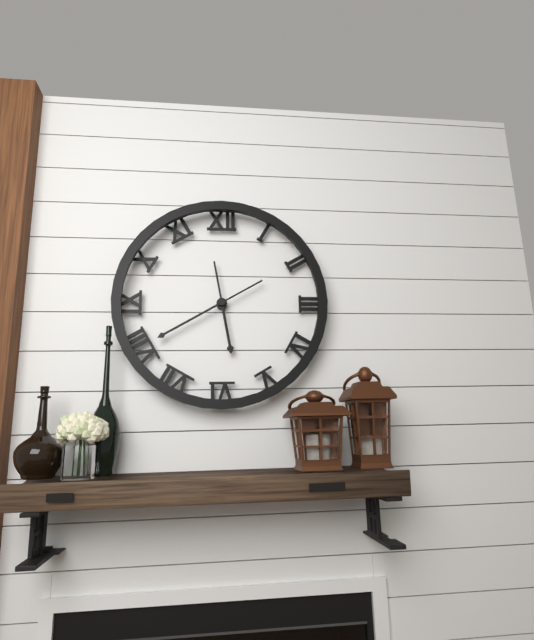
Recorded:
{"hour": 5, "minute": 40}
